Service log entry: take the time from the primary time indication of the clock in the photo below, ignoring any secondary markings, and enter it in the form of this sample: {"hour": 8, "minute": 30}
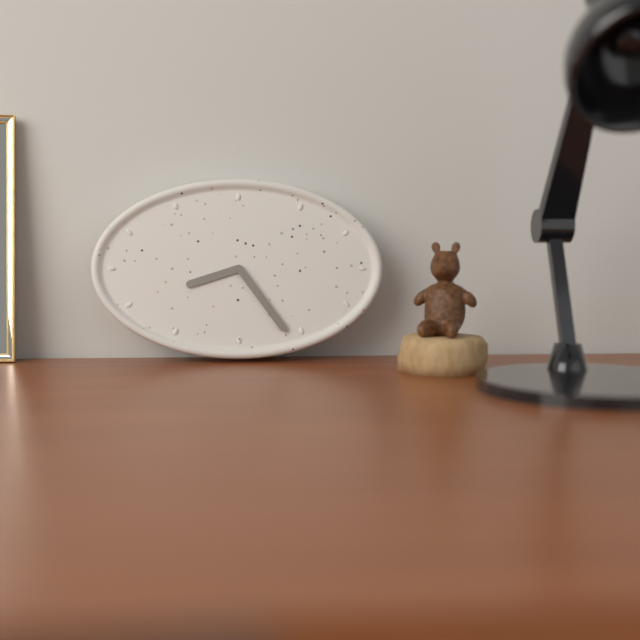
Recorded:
{"hour": 8, "minute": 24}
